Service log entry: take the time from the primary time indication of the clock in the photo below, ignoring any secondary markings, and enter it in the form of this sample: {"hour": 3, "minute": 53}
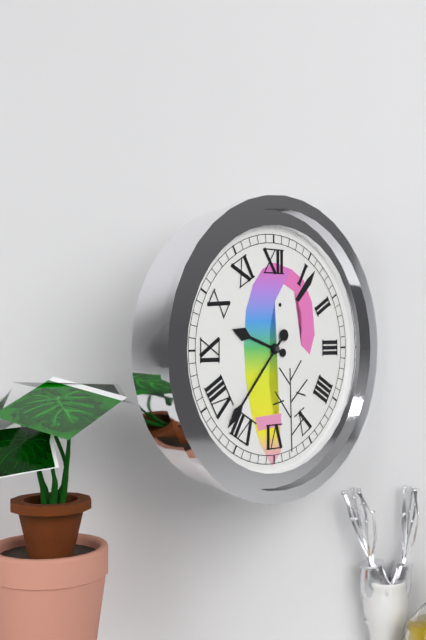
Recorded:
{"hour": 9, "minute": 37}
